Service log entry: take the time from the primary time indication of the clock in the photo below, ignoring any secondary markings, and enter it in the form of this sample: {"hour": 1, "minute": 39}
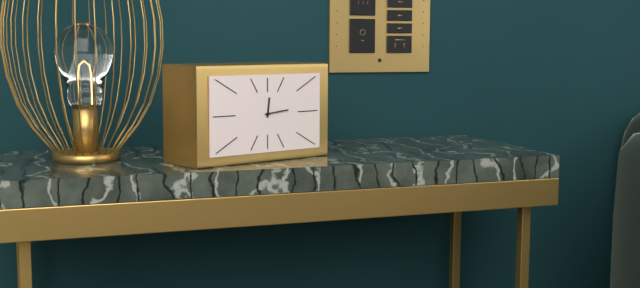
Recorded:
{"hour": 12, "minute": 14}
